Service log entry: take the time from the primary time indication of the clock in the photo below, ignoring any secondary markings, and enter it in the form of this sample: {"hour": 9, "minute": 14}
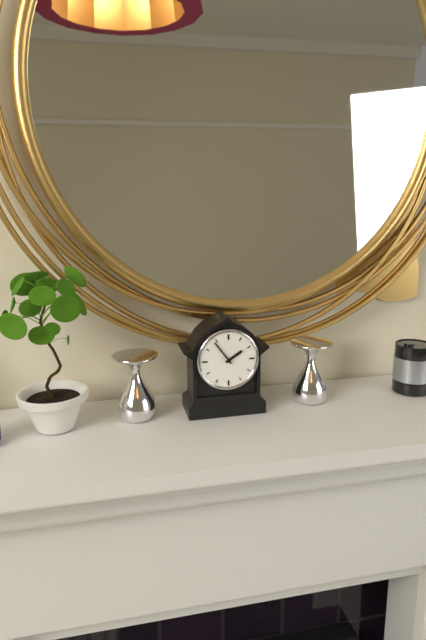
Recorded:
{"hour": 1, "minute": 54}
